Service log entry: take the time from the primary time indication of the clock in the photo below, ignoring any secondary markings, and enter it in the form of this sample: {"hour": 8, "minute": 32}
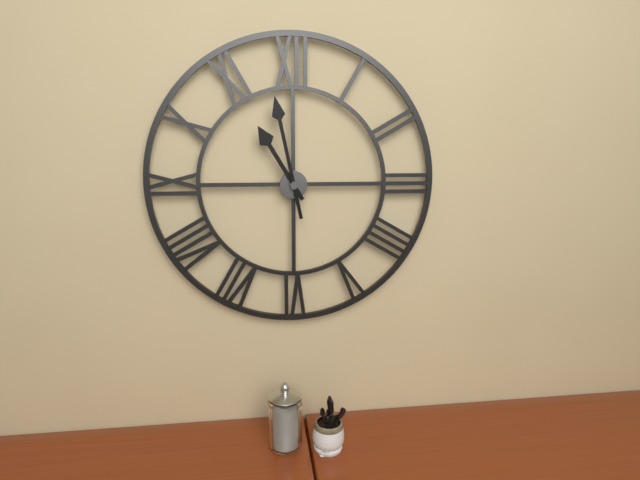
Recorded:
{"hour": 10, "minute": 58}
